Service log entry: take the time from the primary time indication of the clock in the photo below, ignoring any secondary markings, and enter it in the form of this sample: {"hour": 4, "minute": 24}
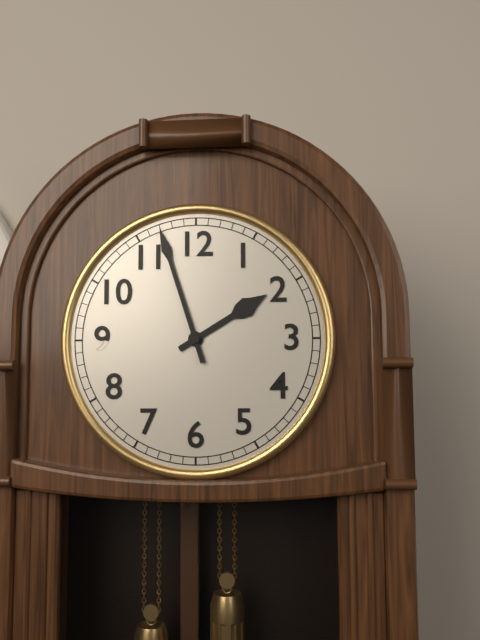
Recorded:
{"hour": 1, "minute": 57}
